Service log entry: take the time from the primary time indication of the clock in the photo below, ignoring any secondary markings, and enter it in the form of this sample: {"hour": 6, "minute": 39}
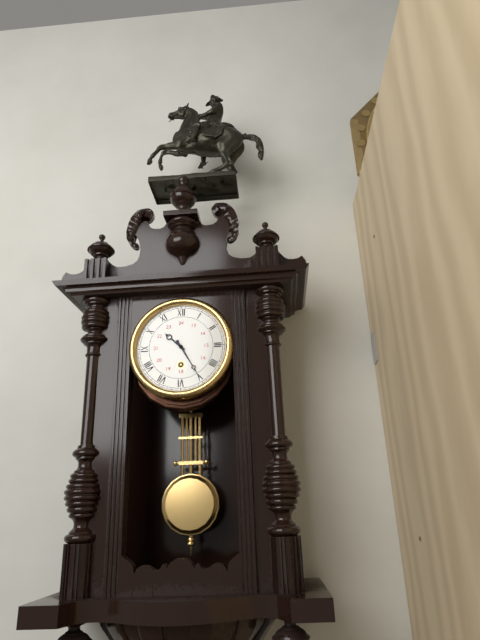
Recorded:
{"hour": 10, "minute": 25}
